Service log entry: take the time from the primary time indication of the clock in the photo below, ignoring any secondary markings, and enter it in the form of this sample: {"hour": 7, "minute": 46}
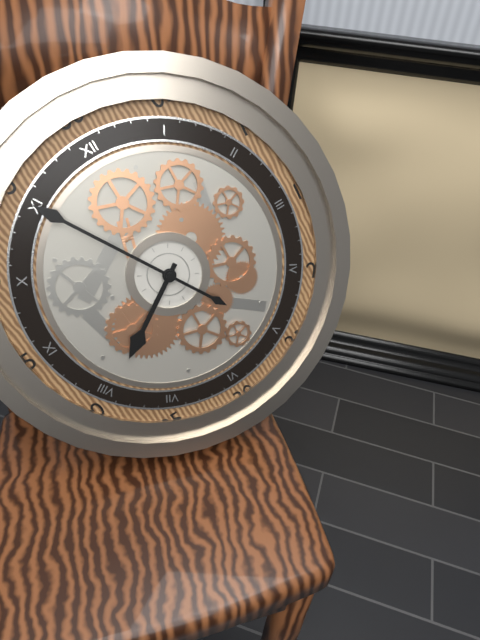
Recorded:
{"hour": 7, "minute": 55}
